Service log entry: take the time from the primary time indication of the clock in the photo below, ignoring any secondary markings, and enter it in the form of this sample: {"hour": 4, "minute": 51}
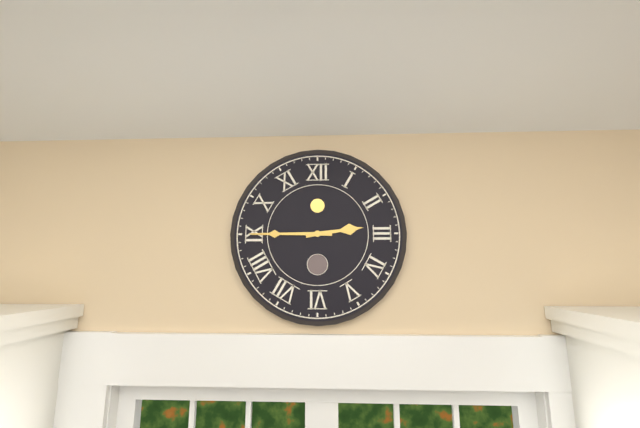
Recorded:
{"hour": 2, "minute": 45}
